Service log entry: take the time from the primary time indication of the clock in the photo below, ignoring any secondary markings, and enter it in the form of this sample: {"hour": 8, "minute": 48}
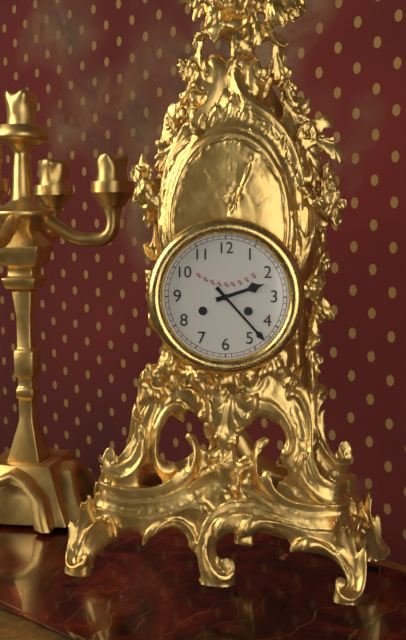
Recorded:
{"hour": 2, "minute": 23}
